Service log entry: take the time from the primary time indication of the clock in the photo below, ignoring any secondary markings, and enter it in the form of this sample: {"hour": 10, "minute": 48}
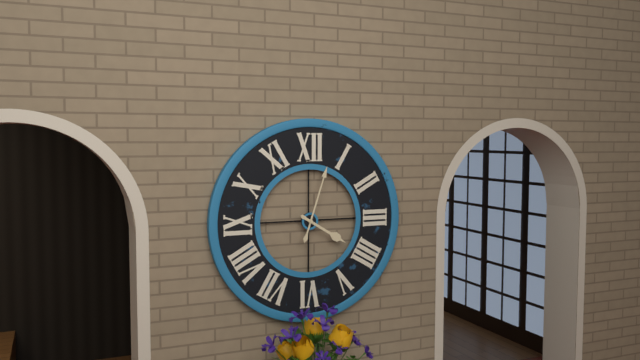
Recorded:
{"hour": 4, "minute": 3}
